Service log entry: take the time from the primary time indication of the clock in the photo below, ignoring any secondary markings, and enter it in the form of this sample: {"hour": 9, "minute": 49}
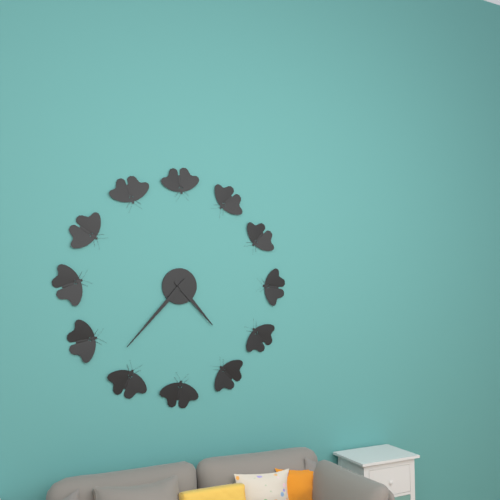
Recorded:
{"hour": 4, "minute": 37}
